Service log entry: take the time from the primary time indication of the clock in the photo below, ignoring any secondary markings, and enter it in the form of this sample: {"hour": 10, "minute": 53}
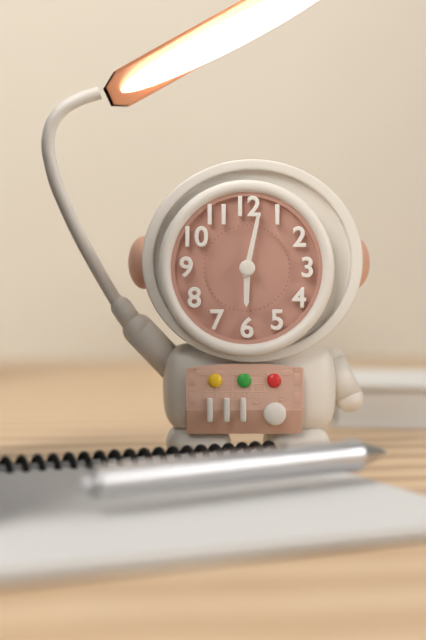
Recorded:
{"hour": 6, "minute": 2}
